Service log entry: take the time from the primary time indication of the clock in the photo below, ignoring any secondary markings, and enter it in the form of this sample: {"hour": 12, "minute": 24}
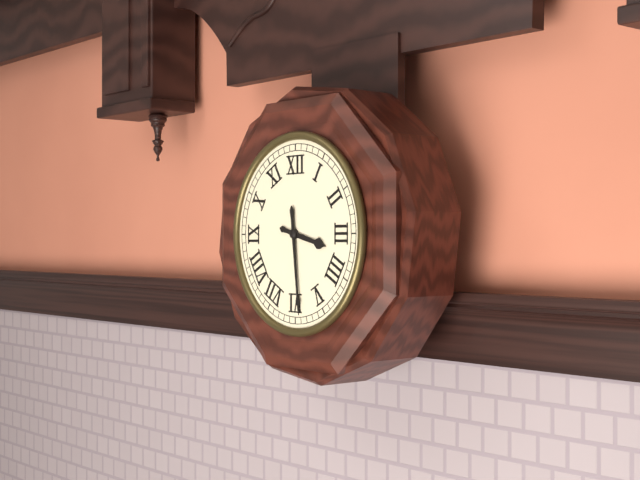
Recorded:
{"hour": 3, "minute": 29}
